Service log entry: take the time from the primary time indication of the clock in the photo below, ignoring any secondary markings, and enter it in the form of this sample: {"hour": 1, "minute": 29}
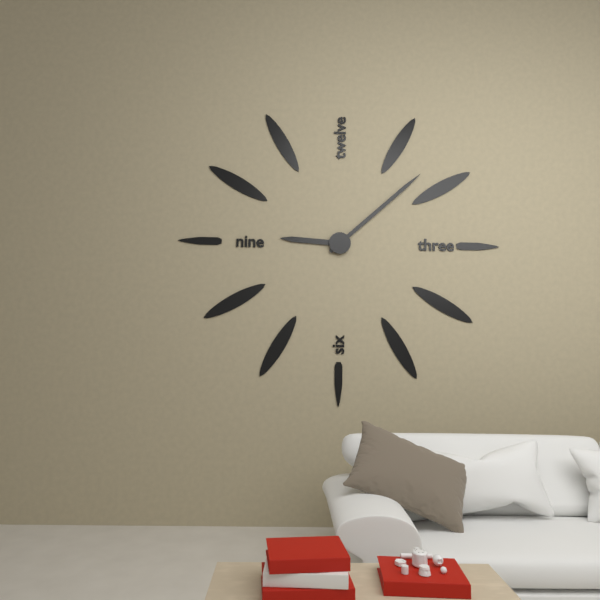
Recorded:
{"hour": 9, "minute": 8}
